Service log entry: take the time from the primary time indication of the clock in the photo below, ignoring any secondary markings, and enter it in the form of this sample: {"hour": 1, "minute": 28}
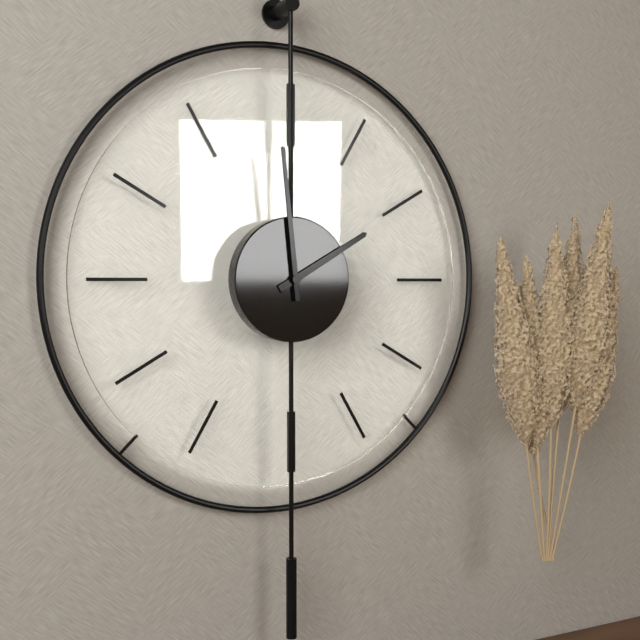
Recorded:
{"hour": 1, "minute": 59}
